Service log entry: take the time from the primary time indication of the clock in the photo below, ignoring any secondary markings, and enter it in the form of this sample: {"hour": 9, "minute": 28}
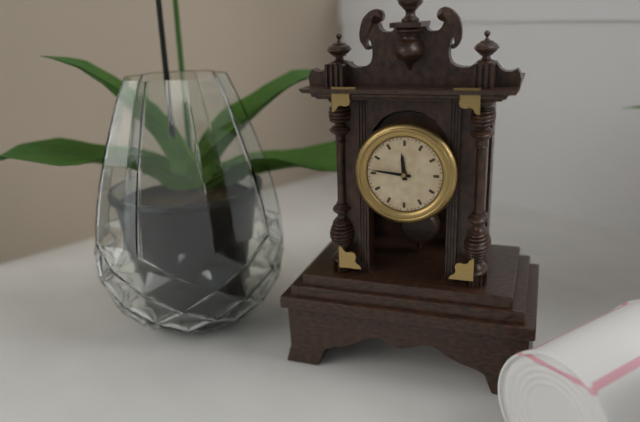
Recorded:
{"hour": 11, "minute": 46}
